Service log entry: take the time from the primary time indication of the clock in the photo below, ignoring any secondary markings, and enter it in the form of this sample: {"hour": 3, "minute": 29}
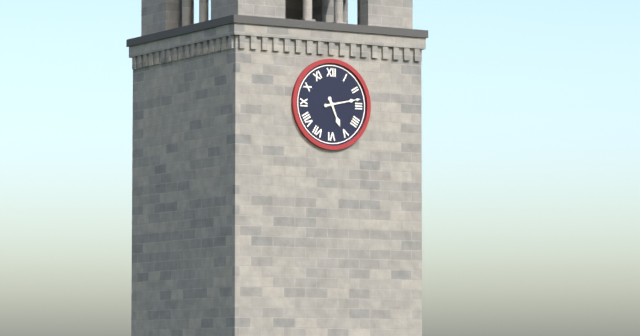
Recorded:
{"hour": 5, "minute": 13}
